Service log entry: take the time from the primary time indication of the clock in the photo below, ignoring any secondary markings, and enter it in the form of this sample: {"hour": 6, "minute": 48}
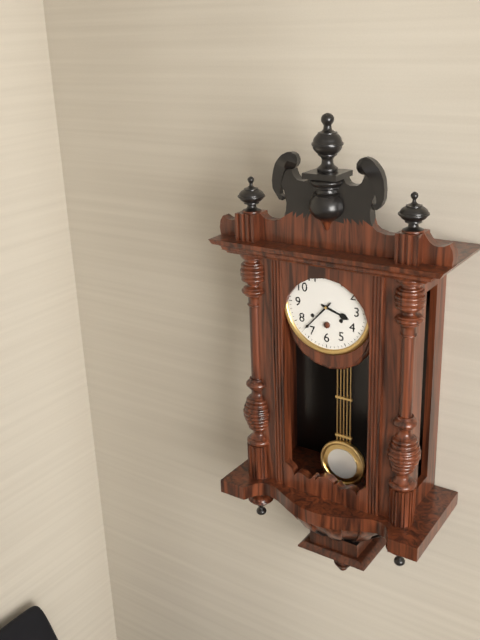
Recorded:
{"hour": 3, "minute": 37}
